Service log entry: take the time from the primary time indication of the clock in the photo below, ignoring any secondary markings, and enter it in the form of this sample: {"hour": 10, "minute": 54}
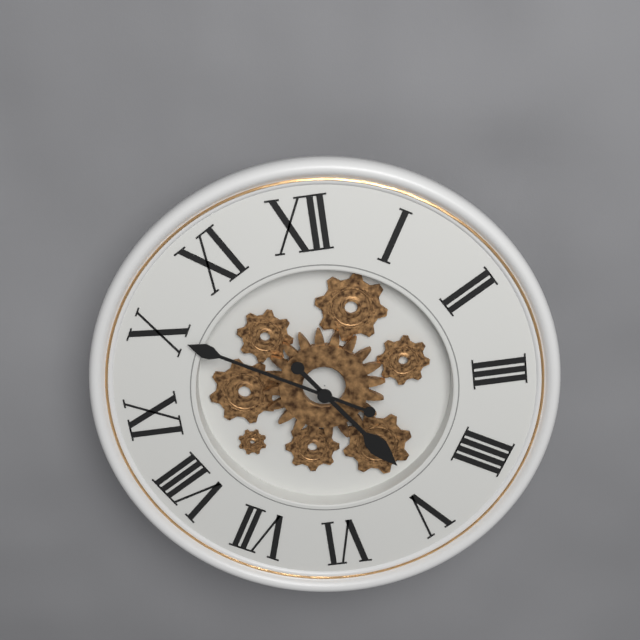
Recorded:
{"hour": 4, "minute": 50}
